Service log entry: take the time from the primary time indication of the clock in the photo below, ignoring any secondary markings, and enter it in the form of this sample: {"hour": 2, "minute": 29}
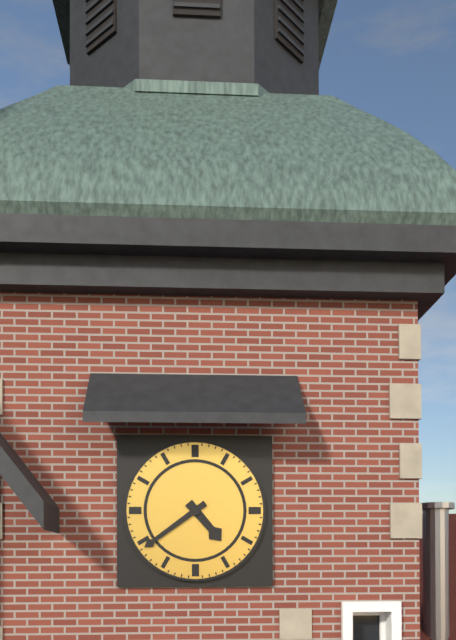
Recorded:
{"hour": 4, "minute": 39}
